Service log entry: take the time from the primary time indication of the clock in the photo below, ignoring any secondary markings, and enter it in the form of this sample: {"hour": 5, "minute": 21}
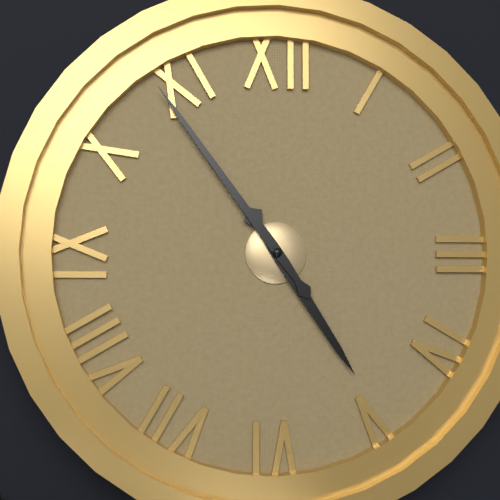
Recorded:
{"hour": 4, "minute": 54}
